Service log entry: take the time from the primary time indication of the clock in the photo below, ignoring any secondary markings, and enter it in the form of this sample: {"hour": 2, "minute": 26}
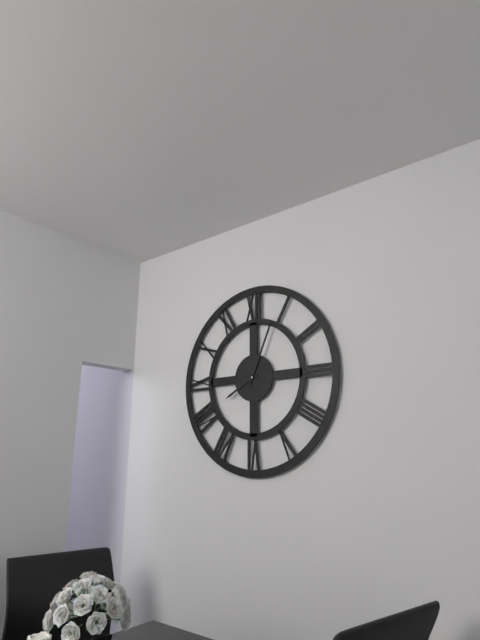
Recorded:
{"hour": 8, "minute": 4}
